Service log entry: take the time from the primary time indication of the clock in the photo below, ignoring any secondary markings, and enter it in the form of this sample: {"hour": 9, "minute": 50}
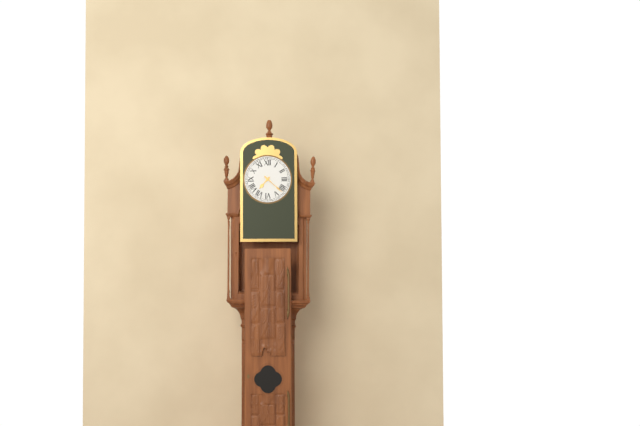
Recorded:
{"hour": 7, "minute": 22}
